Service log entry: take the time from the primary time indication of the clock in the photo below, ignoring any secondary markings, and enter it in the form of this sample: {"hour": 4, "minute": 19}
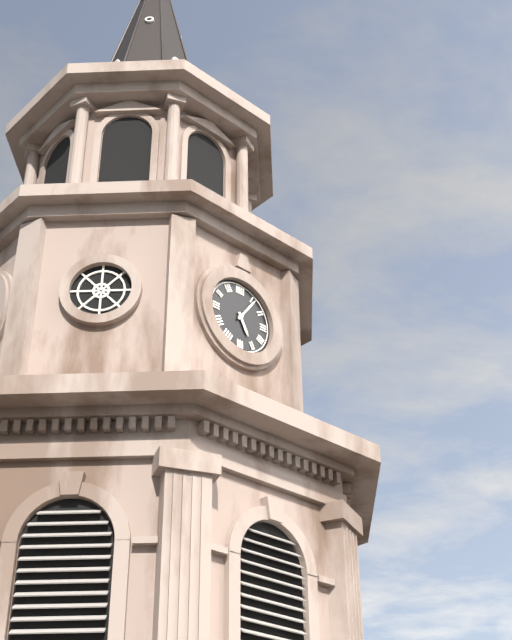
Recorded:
{"hour": 5, "minute": 6}
